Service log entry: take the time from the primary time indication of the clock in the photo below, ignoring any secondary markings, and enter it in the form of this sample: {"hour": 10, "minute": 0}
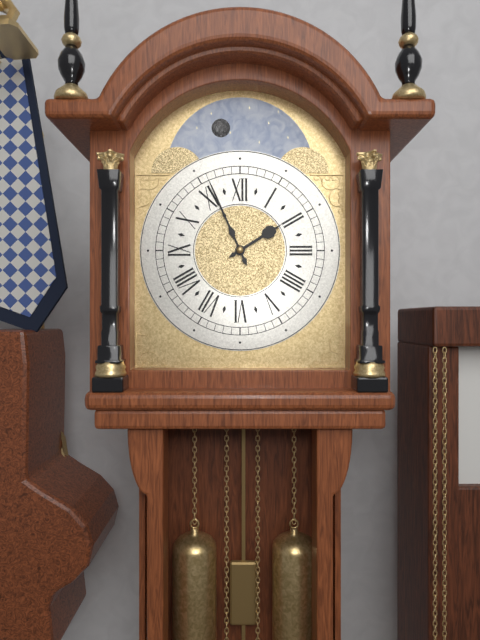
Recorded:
{"hour": 1, "minute": 56}
